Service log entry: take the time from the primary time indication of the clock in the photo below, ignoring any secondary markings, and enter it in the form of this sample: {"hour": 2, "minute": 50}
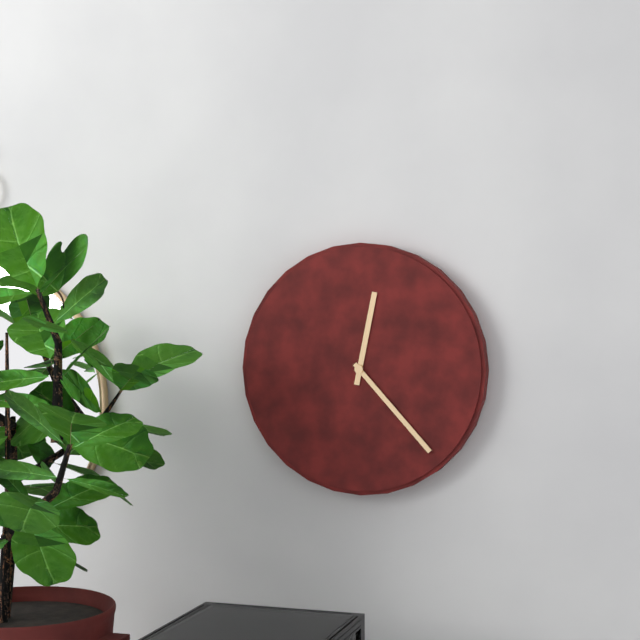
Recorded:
{"hour": 12, "minute": 23}
